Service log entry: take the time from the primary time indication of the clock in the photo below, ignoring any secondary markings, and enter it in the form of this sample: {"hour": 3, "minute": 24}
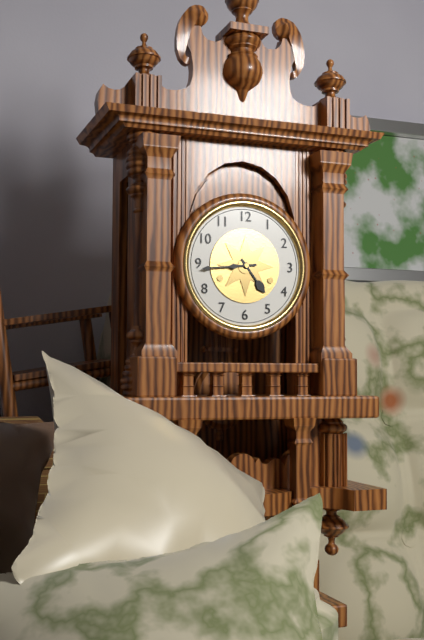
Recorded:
{"hour": 4, "minute": 44}
